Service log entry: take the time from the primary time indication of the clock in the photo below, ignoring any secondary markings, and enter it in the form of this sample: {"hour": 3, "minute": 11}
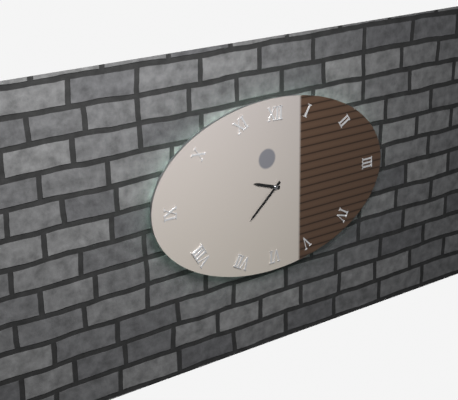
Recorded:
{"hour": 9, "minute": 38}
